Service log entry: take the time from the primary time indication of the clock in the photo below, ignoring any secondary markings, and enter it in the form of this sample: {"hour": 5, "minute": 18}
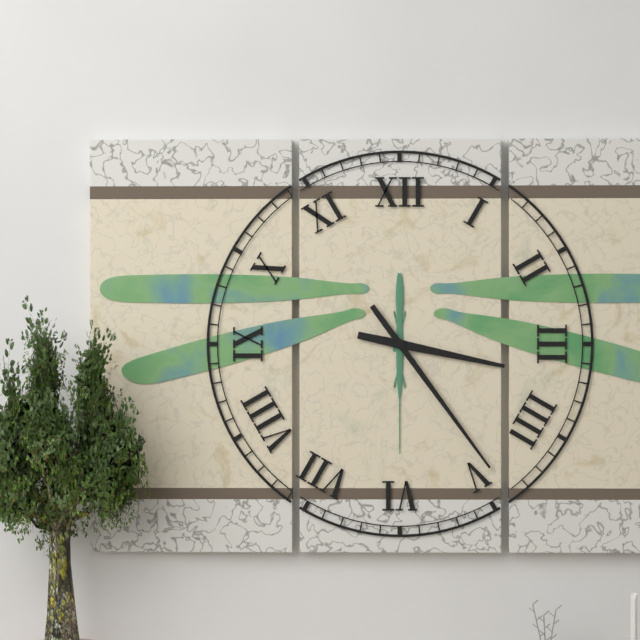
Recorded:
{"hour": 3, "minute": 24}
